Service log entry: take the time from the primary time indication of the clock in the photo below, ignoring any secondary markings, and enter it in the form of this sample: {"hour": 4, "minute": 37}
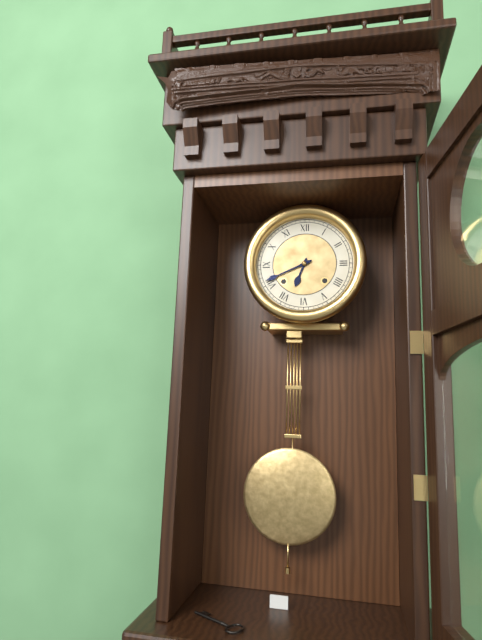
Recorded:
{"hour": 6, "minute": 41}
